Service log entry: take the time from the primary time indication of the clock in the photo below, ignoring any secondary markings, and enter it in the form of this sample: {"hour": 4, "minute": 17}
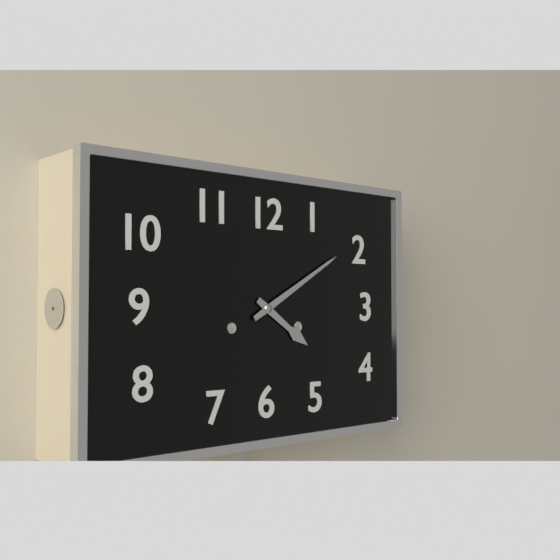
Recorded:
{"hour": 4, "minute": 10}
